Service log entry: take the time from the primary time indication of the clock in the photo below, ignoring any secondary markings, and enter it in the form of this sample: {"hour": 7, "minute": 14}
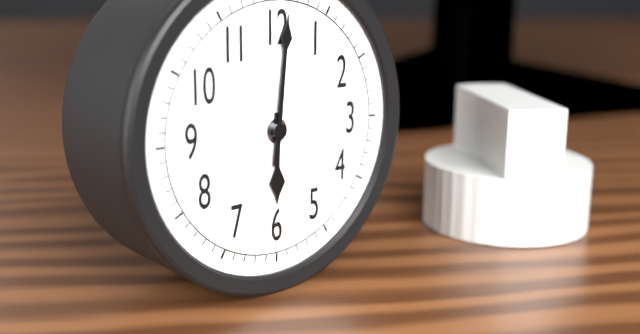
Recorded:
{"hour": 6, "minute": 1}
